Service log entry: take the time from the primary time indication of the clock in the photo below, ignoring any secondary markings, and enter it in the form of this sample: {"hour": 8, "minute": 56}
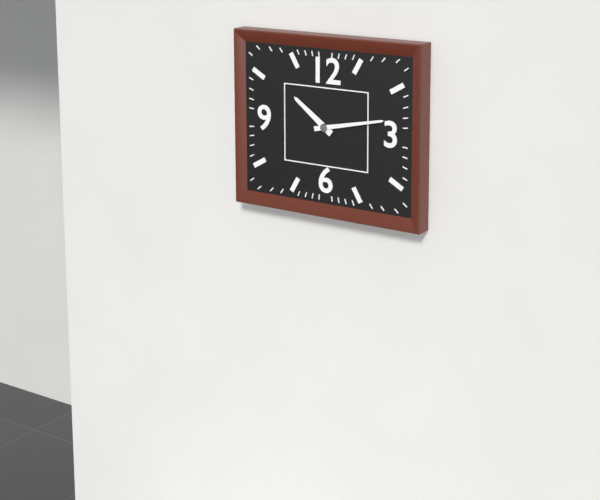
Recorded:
{"hour": 10, "minute": 13}
